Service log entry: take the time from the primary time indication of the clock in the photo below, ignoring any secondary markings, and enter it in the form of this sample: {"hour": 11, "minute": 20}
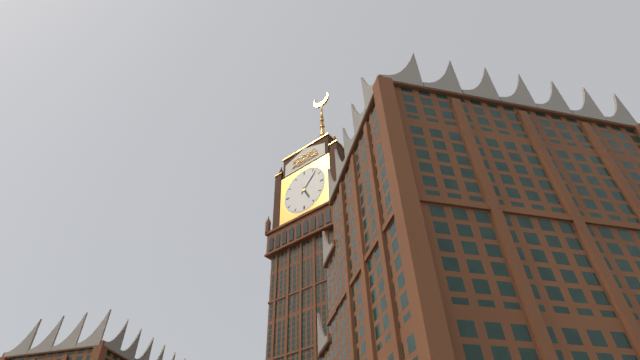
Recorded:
{"hour": 5, "minute": 7}
